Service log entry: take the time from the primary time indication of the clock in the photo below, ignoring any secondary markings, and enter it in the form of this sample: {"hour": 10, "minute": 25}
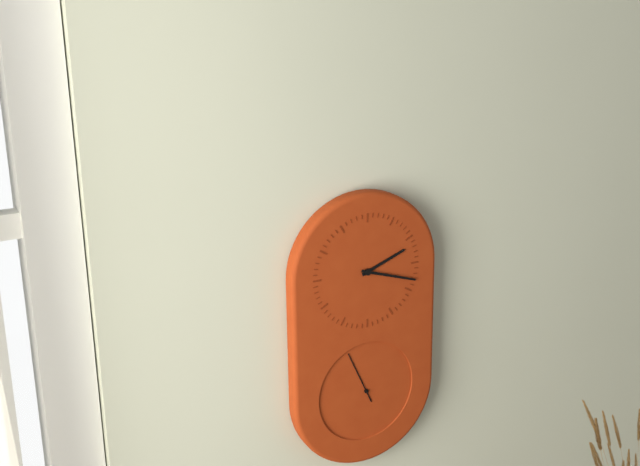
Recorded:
{"hour": 2, "minute": 18}
